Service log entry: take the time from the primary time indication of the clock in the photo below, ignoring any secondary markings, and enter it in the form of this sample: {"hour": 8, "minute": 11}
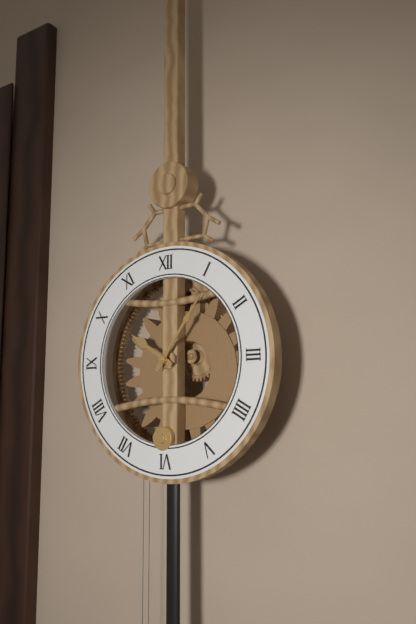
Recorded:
{"hour": 10, "minute": 6}
